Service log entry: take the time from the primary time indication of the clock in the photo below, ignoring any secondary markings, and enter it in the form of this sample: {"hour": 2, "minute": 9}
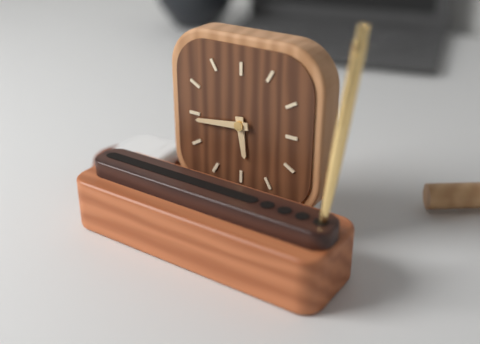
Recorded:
{"hour": 5, "minute": 44}
